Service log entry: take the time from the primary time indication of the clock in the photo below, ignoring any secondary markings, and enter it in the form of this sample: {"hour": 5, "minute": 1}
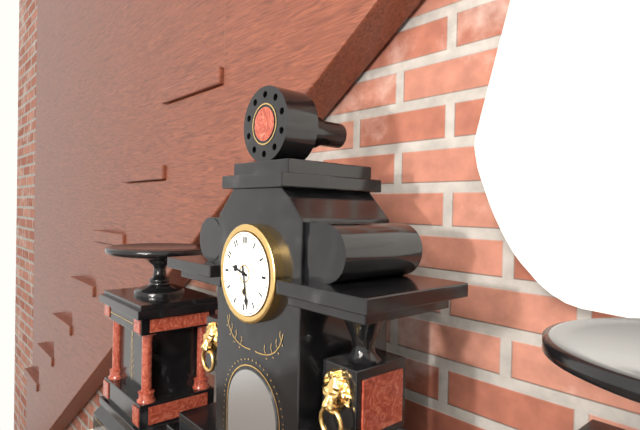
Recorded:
{"hour": 9, "minute": 28}
